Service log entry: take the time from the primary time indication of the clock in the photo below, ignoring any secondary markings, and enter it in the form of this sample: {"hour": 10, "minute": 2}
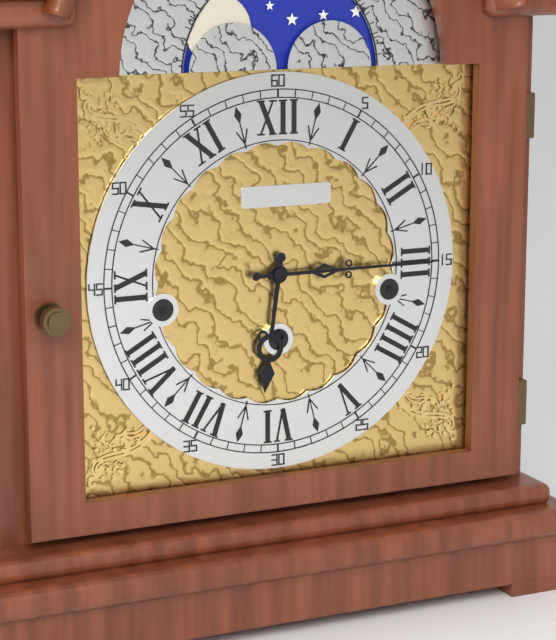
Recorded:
{"hour": 6, "minute": 15}
